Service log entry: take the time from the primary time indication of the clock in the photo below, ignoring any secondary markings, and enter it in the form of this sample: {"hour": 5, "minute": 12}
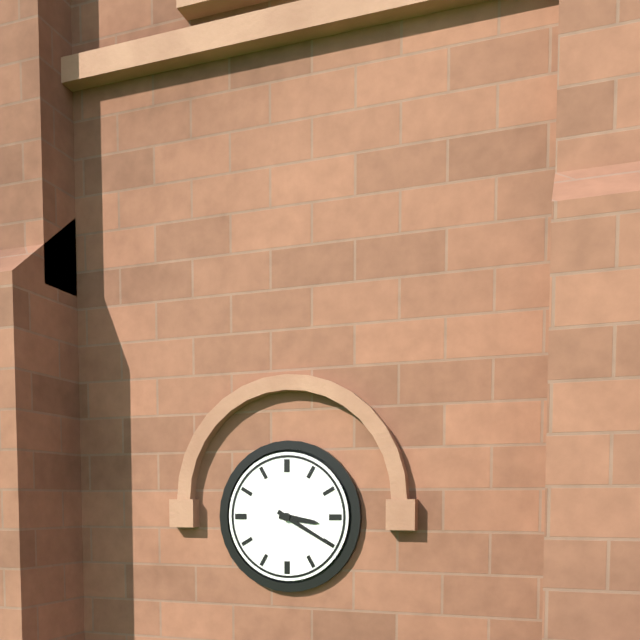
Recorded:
{"hour": 3, "minute": 20}
